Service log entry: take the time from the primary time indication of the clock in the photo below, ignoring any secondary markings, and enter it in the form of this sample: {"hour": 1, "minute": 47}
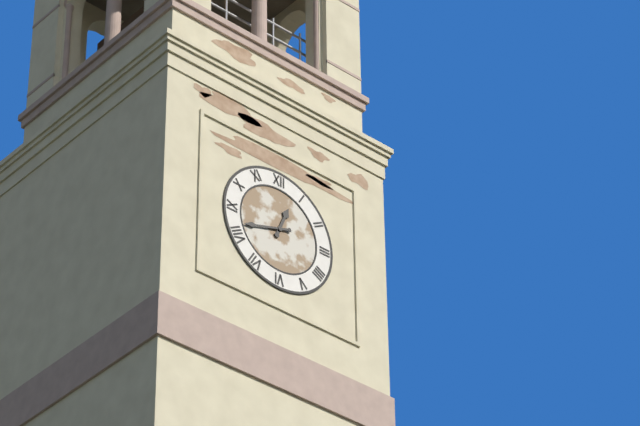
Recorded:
{"hour": 12, "minute": 42}
